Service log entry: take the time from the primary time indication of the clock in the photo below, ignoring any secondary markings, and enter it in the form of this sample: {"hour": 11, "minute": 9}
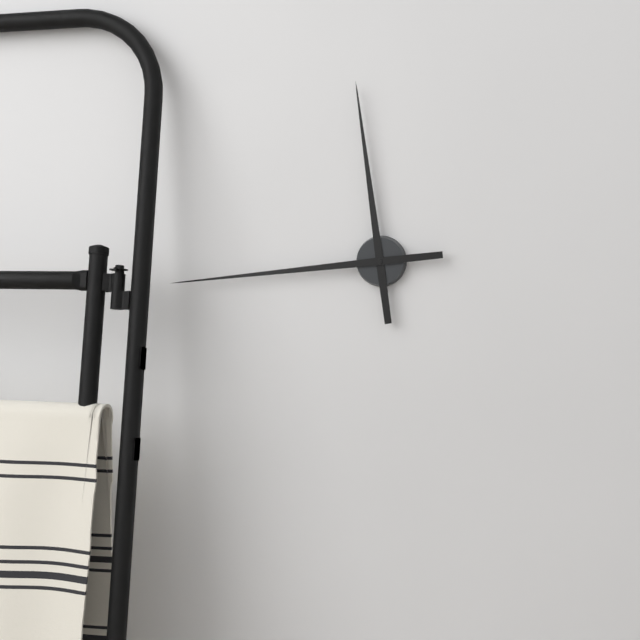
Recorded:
{"hour": 11, "minute": 44}
